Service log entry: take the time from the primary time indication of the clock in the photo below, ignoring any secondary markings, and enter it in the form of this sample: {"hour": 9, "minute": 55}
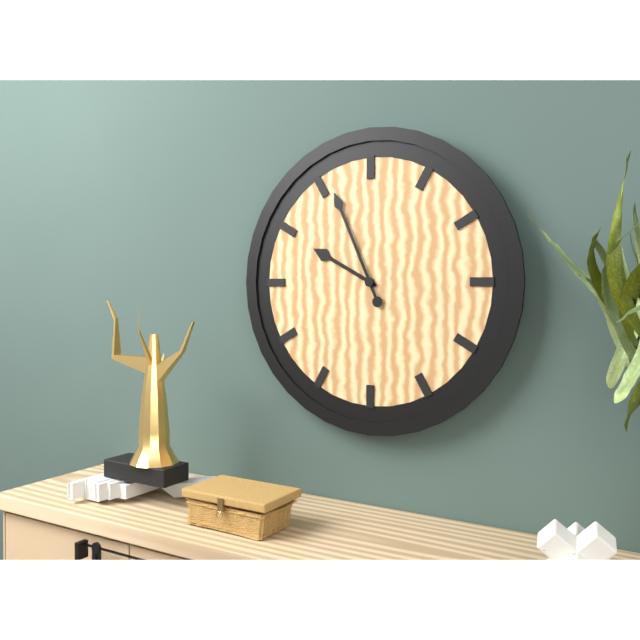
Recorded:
{"hour": 9, "minute": 56}
